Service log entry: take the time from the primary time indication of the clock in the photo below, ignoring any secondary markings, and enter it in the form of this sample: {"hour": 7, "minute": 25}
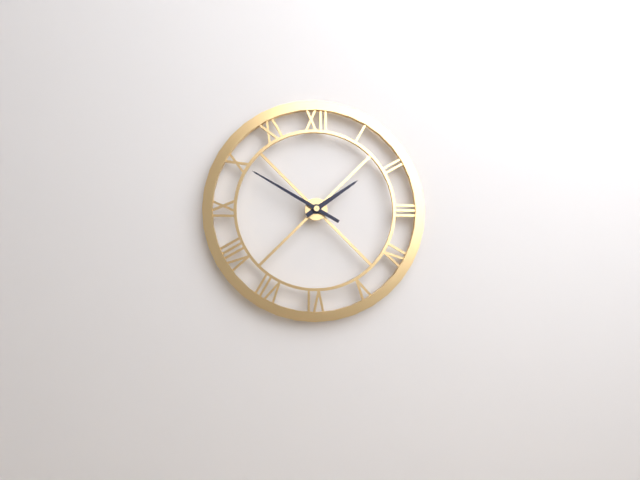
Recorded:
{"hour": 1, "minute": 50}
